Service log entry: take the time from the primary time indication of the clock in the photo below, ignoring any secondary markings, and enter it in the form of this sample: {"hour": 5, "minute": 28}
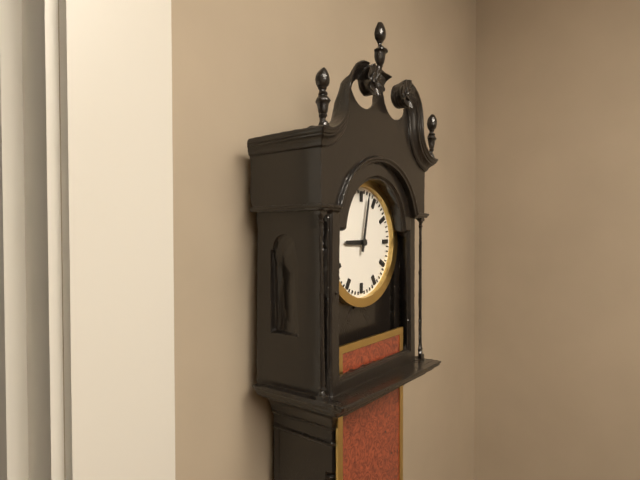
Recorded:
{"hour": 9, "minute": 2}
